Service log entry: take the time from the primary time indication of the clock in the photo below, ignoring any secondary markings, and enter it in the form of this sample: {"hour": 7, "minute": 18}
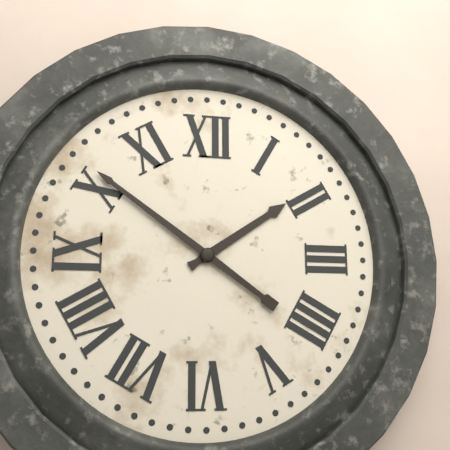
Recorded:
{"hour": 1, "minute": 51}
